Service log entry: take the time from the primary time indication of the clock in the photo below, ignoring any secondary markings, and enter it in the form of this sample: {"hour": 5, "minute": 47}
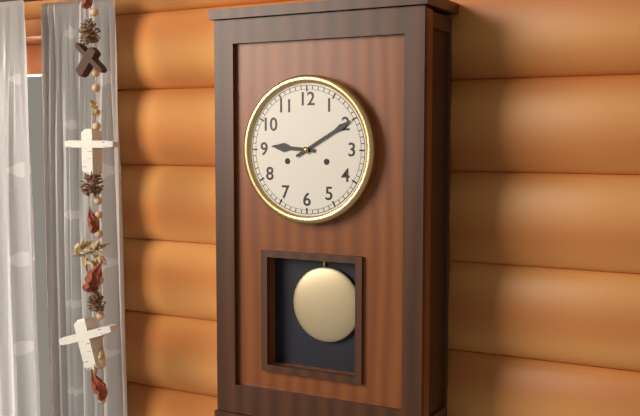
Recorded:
{"hour": 9, "minute": 10}
